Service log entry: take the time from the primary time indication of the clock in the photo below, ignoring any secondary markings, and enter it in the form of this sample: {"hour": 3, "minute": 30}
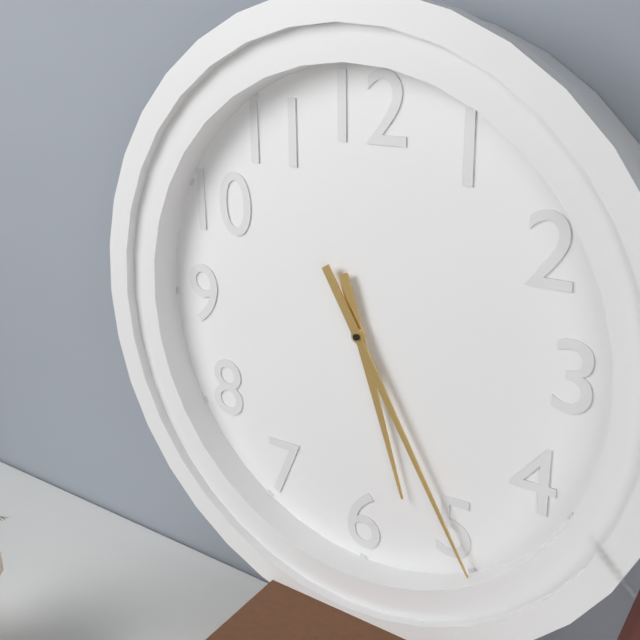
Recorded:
{"hour": 5, "minute": 25}
